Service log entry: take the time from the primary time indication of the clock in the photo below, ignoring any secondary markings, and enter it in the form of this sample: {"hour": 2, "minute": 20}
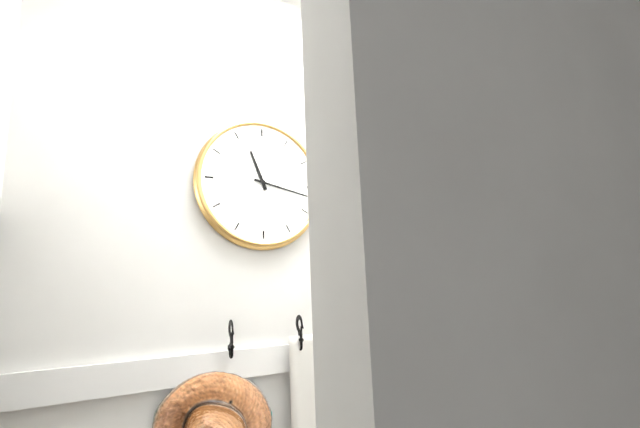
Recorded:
{"hour": 11, "minute": 17}
